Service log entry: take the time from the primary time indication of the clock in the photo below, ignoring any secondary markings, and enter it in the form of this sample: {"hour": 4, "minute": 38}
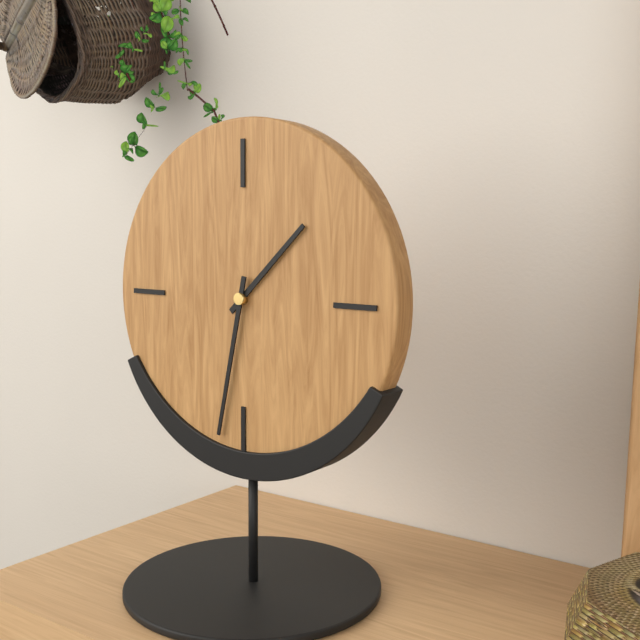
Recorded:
{"hour": 1, "minute": 32}
